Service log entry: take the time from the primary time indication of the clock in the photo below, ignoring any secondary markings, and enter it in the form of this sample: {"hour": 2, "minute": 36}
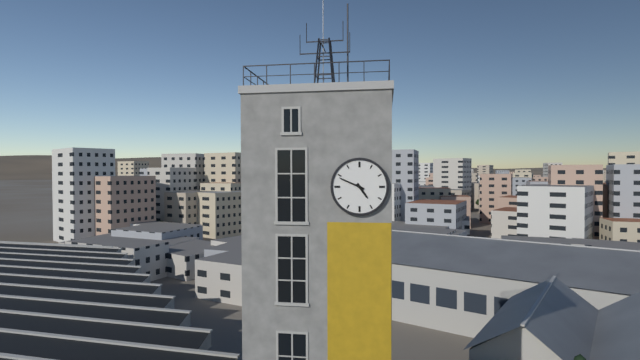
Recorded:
{"hour": 4, "minute": 49}
